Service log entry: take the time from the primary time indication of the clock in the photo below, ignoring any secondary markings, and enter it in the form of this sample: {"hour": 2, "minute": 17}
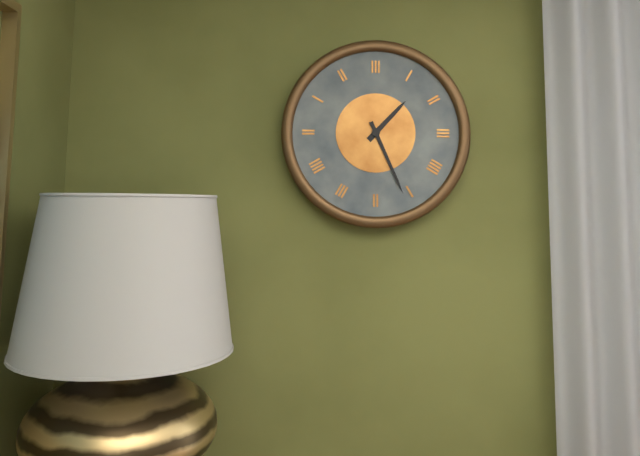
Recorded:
{"hour": 1, "minute": 26}
